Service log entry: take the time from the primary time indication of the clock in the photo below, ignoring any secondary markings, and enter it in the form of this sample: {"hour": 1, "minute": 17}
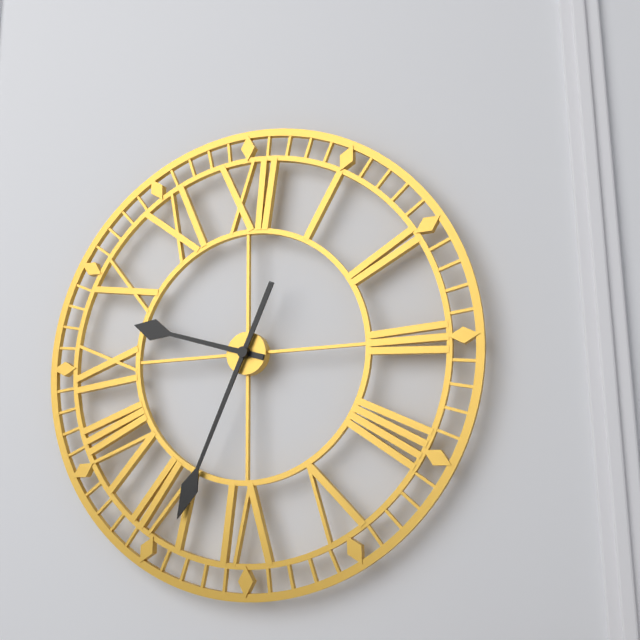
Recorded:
{"hour": 9, "minute": 34}
